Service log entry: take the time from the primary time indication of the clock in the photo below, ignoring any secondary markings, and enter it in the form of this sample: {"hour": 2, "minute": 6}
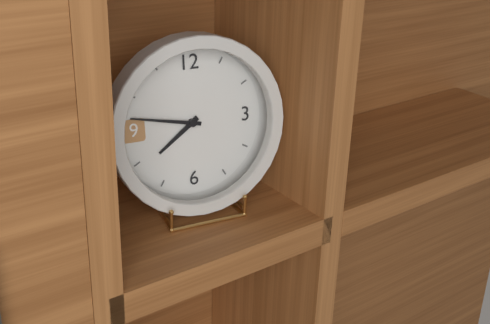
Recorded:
{"hour": 7, "minute": 47}
